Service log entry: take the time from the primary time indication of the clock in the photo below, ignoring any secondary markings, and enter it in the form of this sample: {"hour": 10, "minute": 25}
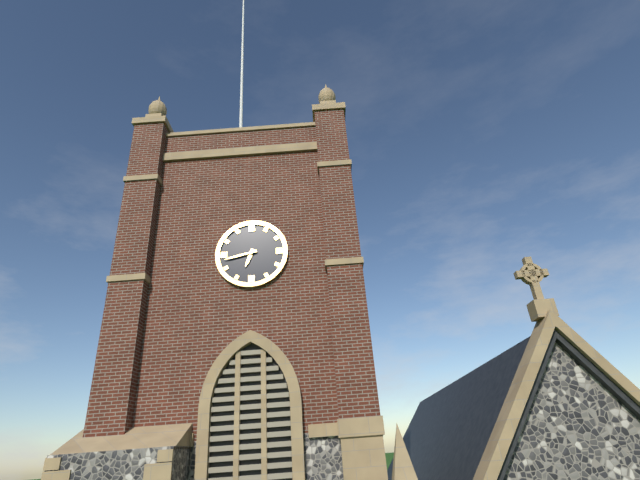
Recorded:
{"hour": 6, "minute": 43}
